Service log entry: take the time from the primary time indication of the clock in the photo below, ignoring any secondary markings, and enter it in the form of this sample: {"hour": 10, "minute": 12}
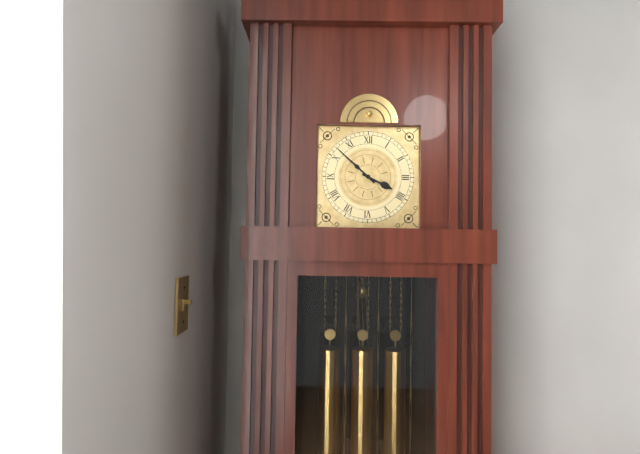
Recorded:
{"hour": 3, "minute": 52}
